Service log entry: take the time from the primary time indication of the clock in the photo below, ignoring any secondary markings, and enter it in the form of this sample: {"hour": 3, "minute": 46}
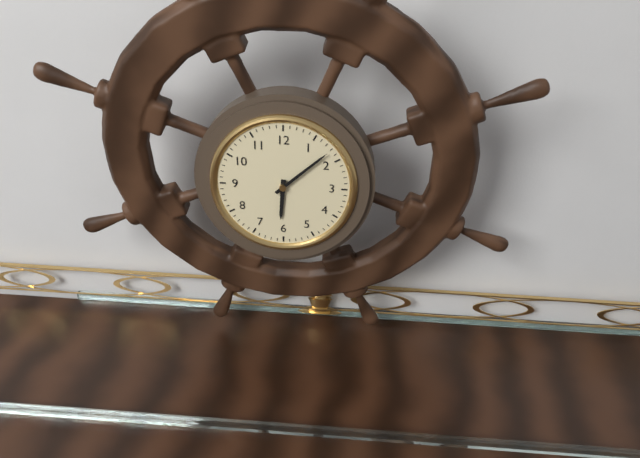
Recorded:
{"hour": 6, "minute": 8}
